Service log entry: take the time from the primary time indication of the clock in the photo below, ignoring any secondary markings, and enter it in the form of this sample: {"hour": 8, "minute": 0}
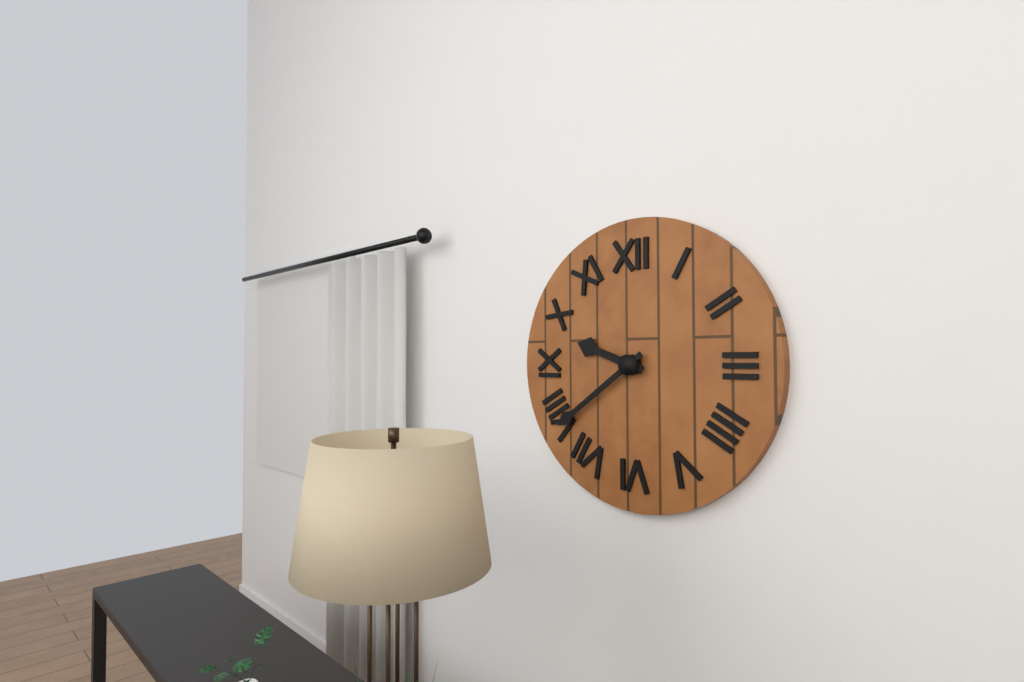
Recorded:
{"hour": 9, "minute": 39}
